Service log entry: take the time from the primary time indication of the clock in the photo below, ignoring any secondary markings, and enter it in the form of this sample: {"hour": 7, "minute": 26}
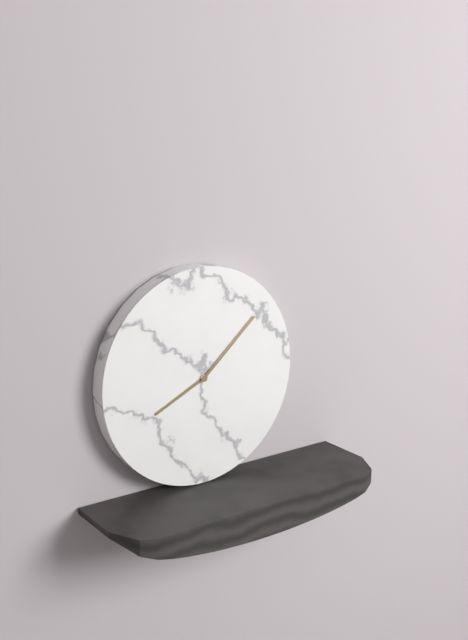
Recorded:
{"hour": 8, "minute": 8}
